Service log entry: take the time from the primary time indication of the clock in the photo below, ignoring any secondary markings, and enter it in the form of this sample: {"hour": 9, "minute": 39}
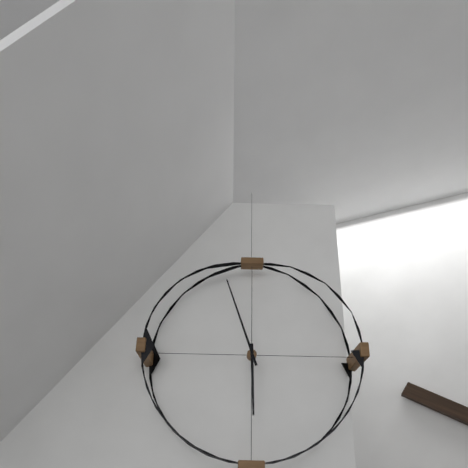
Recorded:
{"hour": 5, "minute": 57}
